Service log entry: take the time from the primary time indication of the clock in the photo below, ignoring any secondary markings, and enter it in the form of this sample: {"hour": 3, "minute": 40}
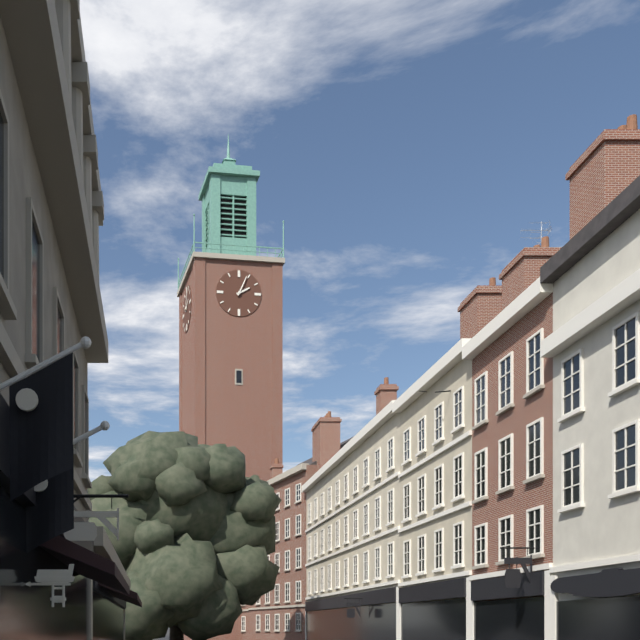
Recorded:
{"hour": 2, "minute": 4}
